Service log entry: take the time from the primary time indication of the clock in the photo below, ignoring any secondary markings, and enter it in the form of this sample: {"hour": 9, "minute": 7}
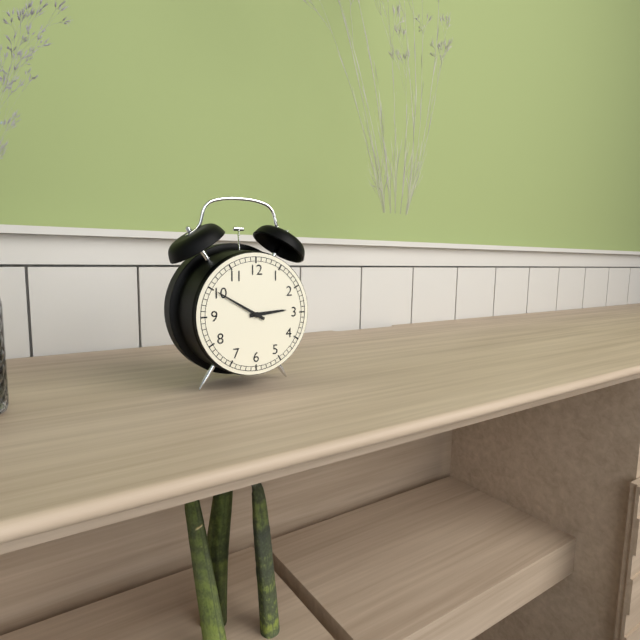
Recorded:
{"hour": 2, "minute": 50}
